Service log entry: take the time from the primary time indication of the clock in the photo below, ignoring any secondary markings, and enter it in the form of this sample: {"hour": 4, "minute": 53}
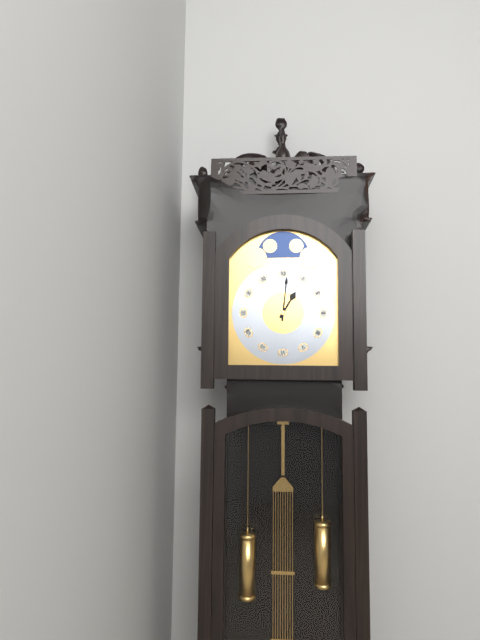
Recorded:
{"hour": 1, "minute": 1}
